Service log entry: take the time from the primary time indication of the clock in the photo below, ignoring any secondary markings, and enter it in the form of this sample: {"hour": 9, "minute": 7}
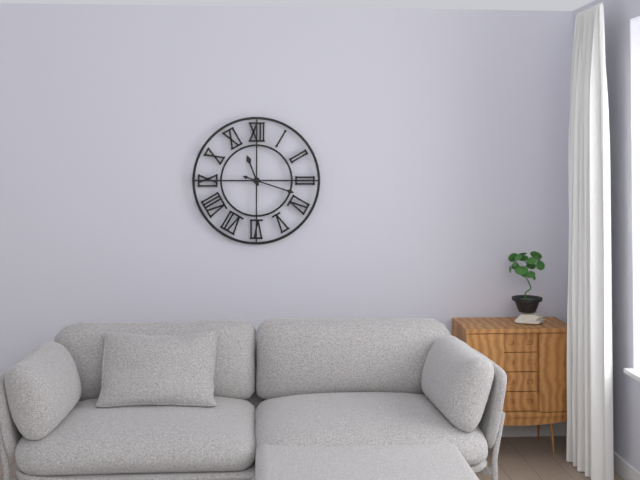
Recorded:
{"hour": 11, "minute": 18}
